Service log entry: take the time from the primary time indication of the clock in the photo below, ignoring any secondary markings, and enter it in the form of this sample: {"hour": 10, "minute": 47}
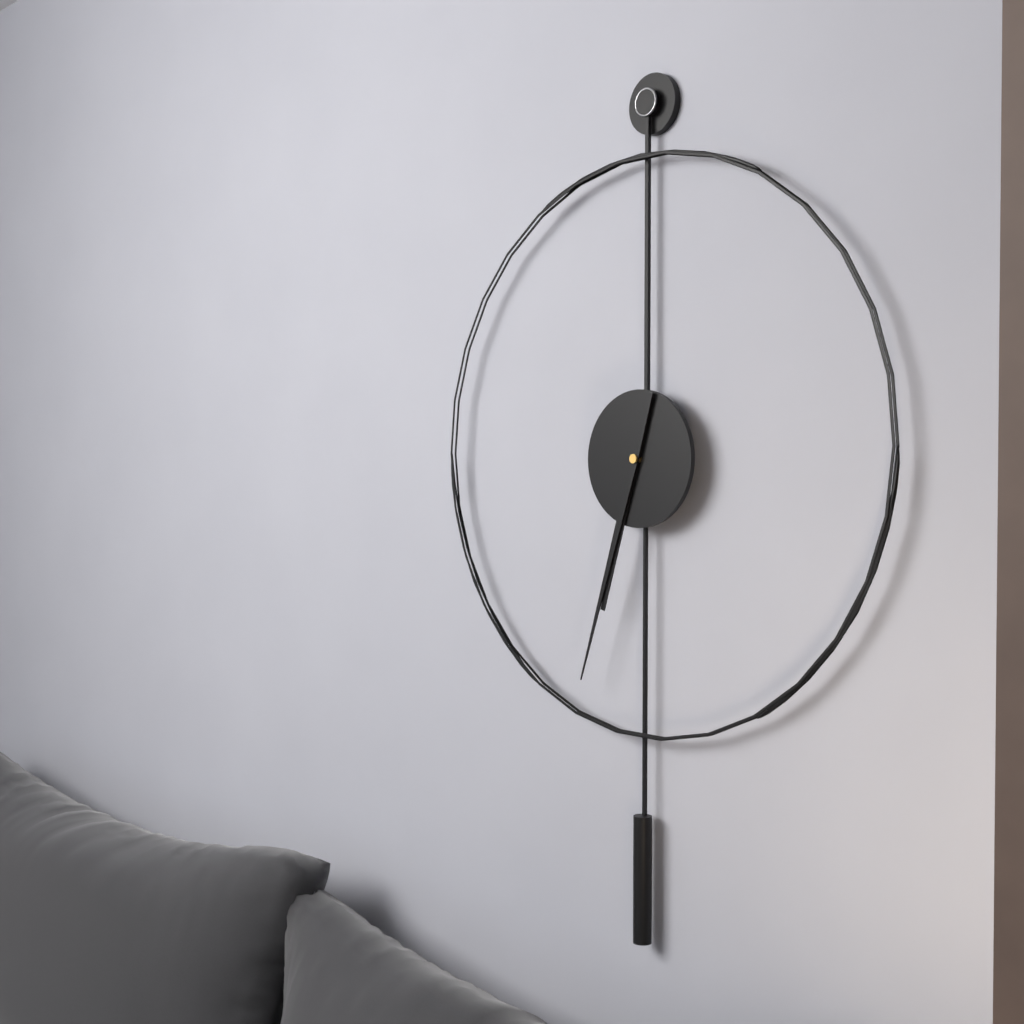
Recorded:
{"hour": 6, "minute": 33}
